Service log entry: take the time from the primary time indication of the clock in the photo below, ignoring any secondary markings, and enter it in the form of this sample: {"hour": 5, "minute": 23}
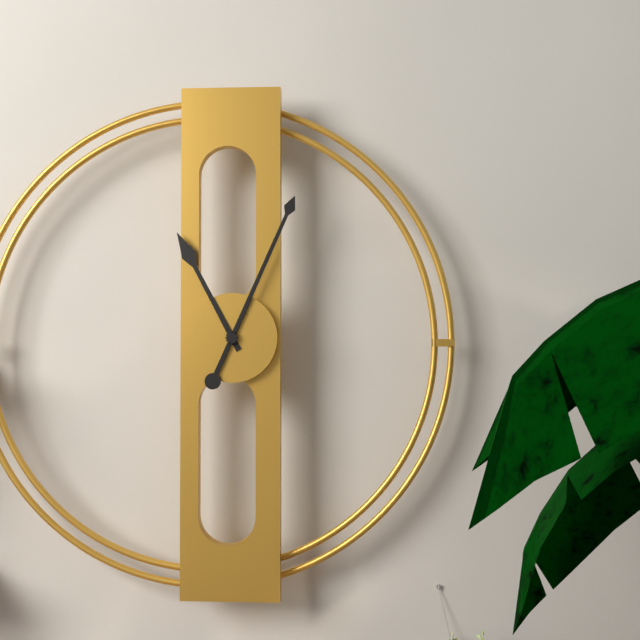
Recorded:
{"hour": 11, "minute": 4}
